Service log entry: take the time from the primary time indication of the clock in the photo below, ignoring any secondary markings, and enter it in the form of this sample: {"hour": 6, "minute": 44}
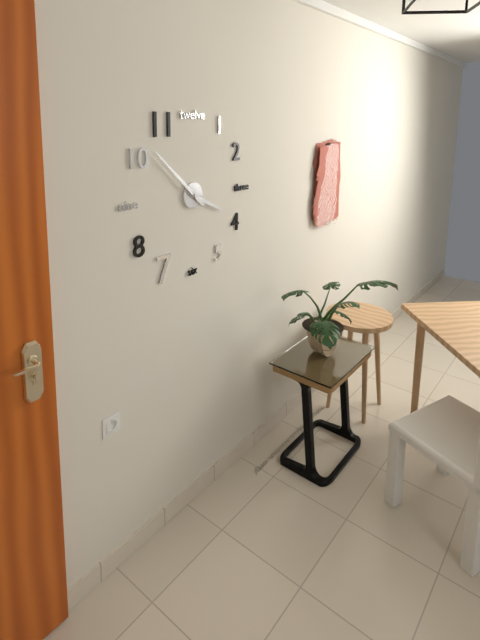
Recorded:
{"hour": 3, "minute": 52}
